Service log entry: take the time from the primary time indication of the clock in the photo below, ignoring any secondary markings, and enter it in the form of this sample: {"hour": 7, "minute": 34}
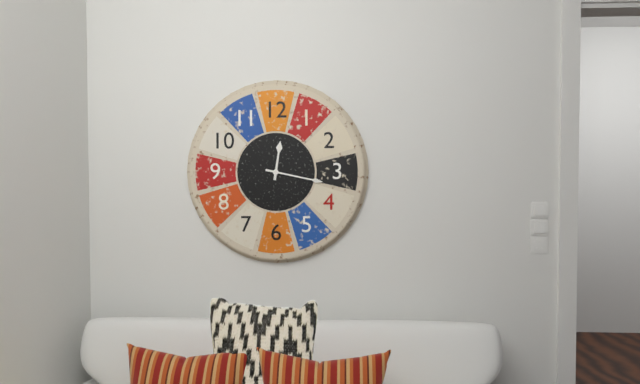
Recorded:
{"hour": 12, "minute": 17}
